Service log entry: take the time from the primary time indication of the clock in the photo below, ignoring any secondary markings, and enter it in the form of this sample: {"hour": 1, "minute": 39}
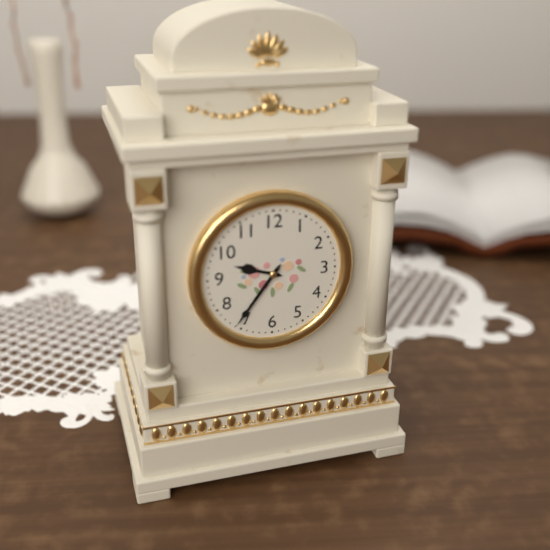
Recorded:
{"hour": 9, "minute": 36}
